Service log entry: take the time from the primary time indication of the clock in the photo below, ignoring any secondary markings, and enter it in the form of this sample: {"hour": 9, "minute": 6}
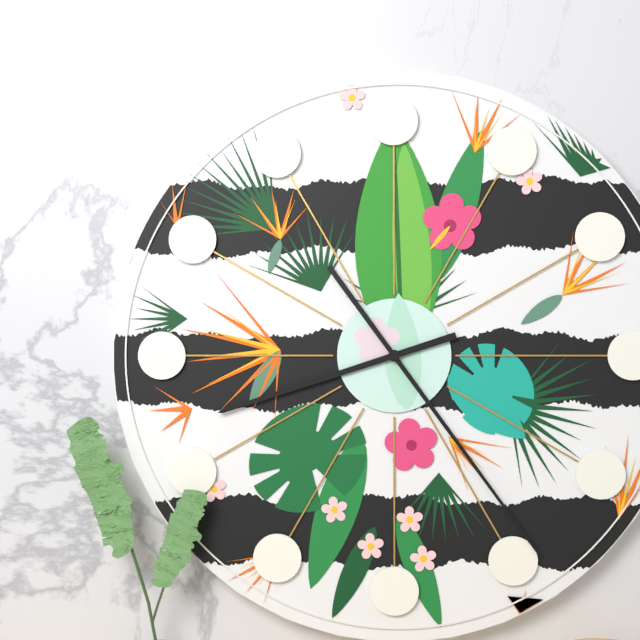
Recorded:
{"hour": 8, "minute": 24}
